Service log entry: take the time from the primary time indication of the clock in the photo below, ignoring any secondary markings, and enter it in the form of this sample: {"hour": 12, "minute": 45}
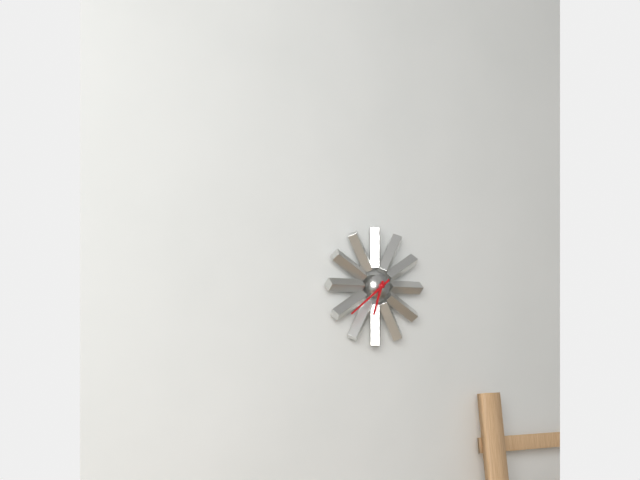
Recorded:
{"hour": 6, "minute": 39}
